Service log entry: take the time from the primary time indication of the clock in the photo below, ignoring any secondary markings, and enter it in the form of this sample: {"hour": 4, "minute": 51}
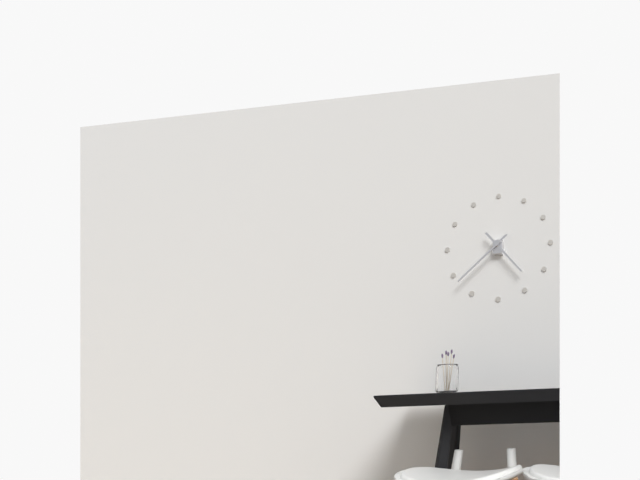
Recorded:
{"hour": 4, "minute": 38}
